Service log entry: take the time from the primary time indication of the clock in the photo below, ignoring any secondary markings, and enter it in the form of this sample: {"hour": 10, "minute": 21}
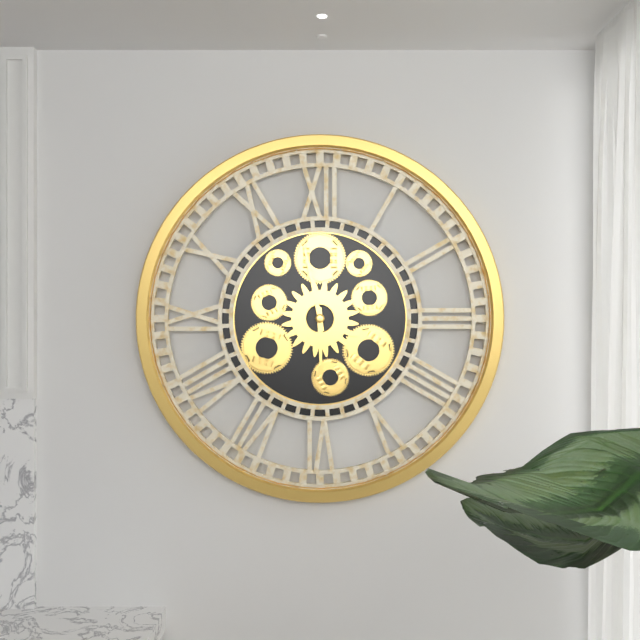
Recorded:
{"hour": 5, "minute": 58}
